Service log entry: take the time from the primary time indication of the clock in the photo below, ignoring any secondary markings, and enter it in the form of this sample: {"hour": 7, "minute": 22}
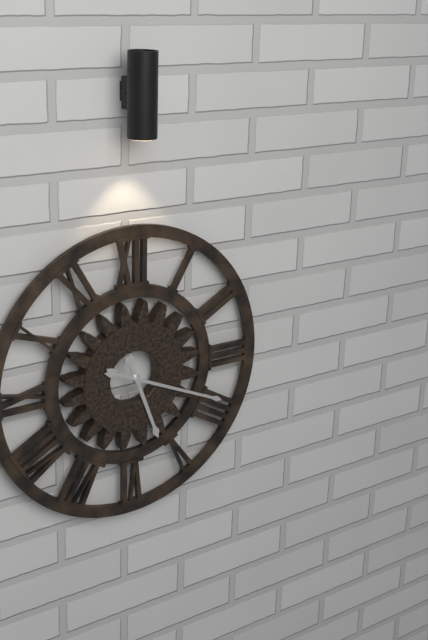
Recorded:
{"hour": 5, "minute": 19}
